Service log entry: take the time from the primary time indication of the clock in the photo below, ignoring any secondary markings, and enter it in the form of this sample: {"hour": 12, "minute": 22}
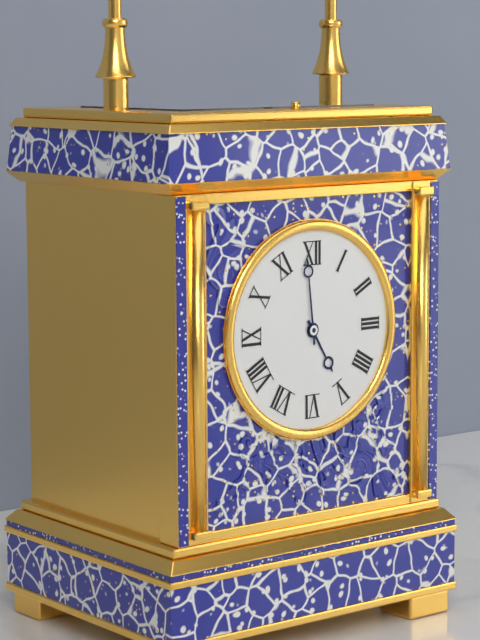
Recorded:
{"hour": 4, "minute": 59}
